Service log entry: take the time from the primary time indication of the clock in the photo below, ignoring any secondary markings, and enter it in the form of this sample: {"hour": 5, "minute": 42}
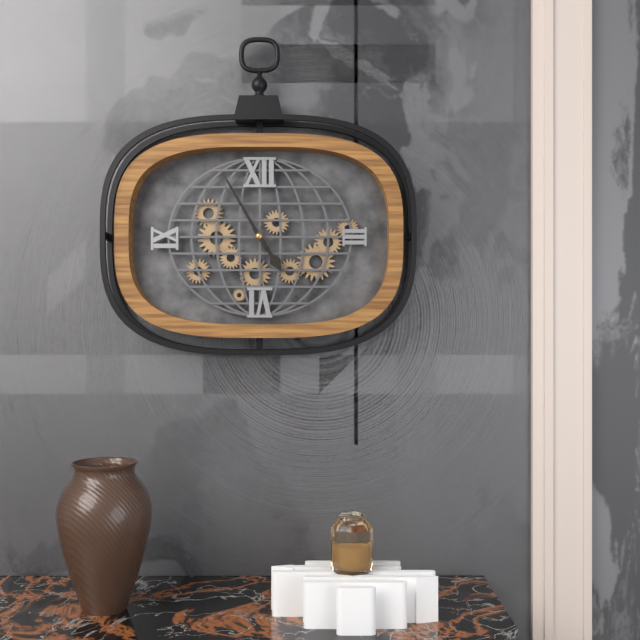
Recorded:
{"hour": 4, "minute": 55}
